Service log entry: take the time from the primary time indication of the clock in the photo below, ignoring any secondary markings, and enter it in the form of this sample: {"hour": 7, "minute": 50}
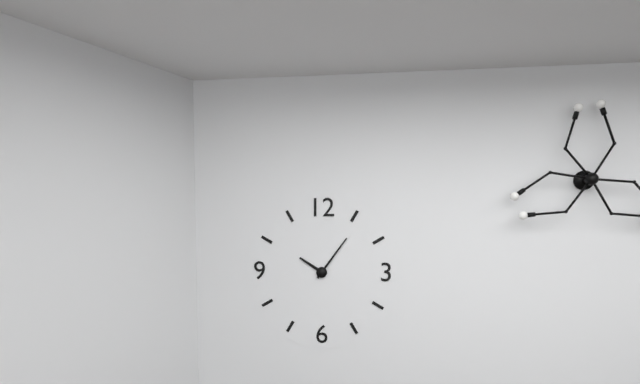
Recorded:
{"hour": 10, "minute": 6}
